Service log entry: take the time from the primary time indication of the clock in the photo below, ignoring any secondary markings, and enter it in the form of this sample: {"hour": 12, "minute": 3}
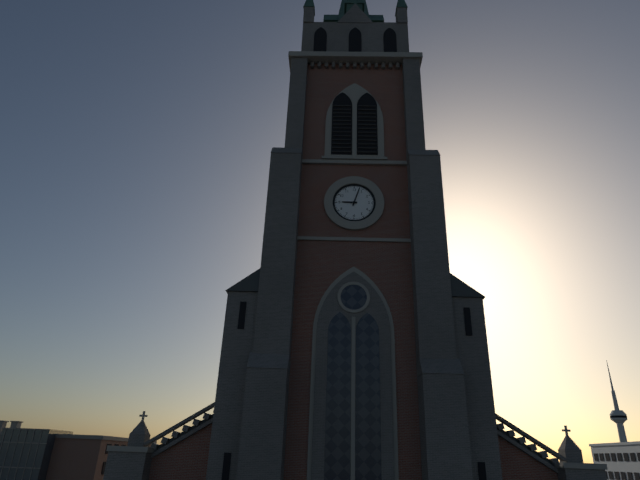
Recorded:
{"hour": 9, "minute": 3}
